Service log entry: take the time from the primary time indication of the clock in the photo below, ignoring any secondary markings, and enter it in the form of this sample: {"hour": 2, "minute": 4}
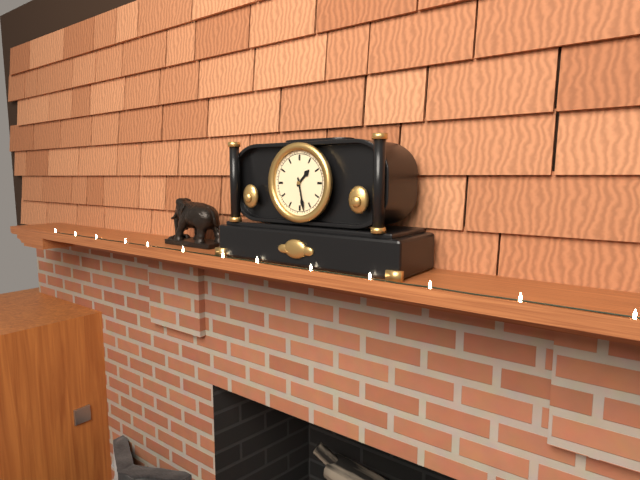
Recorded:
{"hour": 1, "minute": 28}
